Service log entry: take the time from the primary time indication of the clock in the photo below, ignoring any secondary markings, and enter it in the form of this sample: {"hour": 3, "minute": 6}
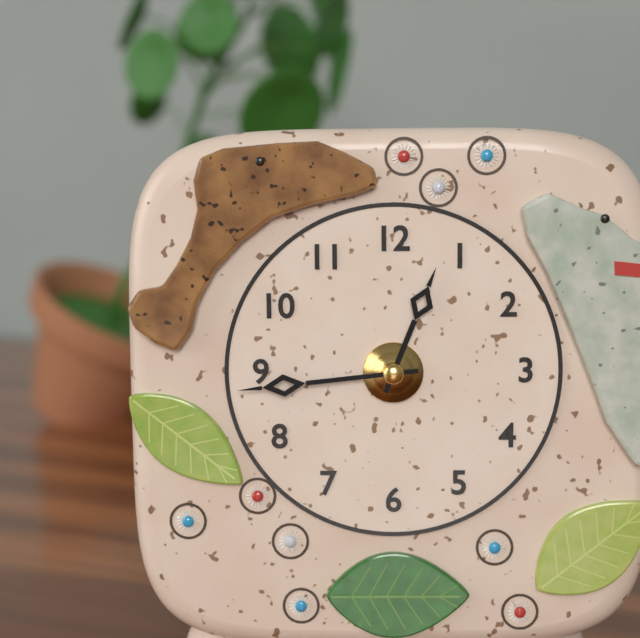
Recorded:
{"hour": 12, "minute": 44}
